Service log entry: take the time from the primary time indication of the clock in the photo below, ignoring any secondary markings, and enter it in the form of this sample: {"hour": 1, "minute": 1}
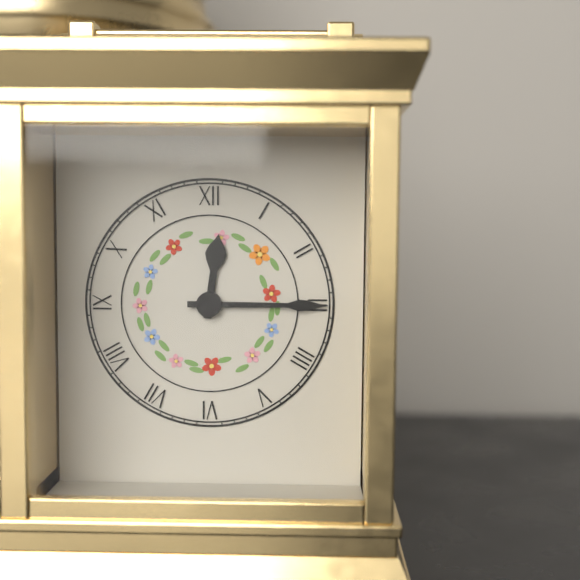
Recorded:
{"hour": 12, "minute": 15}
